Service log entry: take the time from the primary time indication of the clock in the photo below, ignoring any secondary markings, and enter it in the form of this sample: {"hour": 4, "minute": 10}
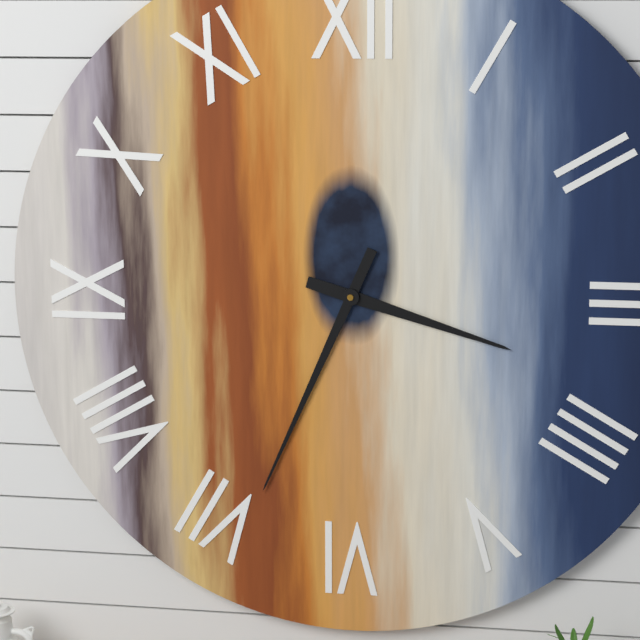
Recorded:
{"hour": 3, "minute": 34}
